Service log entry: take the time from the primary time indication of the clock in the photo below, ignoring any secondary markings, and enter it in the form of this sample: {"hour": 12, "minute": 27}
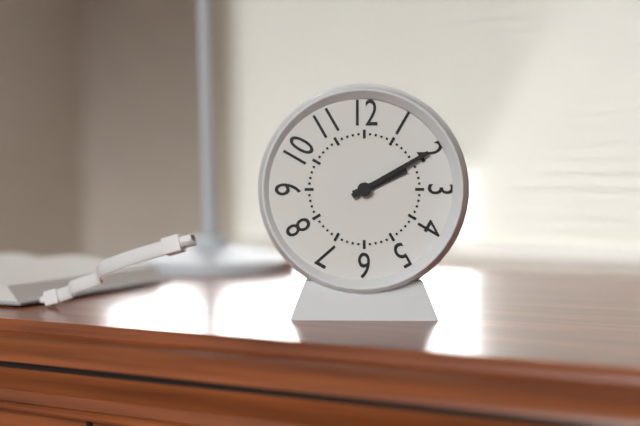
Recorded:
{"hour": 2, "minute": 10}
